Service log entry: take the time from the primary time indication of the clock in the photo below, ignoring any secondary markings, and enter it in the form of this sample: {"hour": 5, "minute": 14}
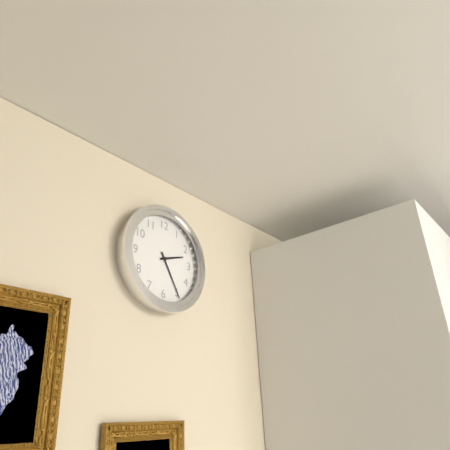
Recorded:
{"hour": 2, "minute": 25}
